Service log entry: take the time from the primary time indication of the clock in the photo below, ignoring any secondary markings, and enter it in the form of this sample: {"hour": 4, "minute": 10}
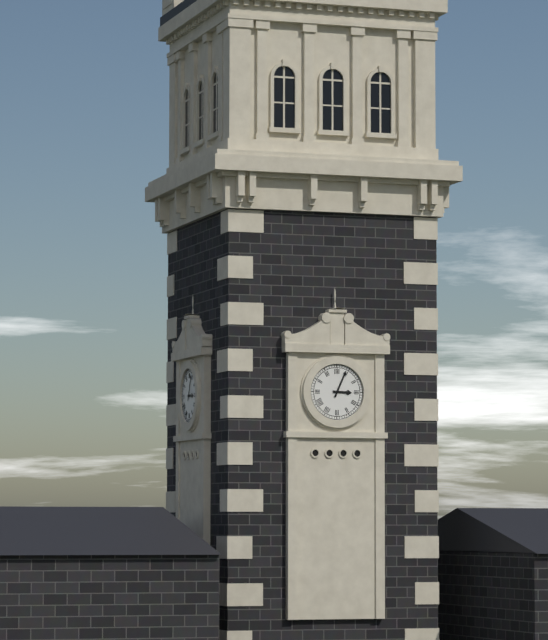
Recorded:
{"hour": 3, "minute": 4}
